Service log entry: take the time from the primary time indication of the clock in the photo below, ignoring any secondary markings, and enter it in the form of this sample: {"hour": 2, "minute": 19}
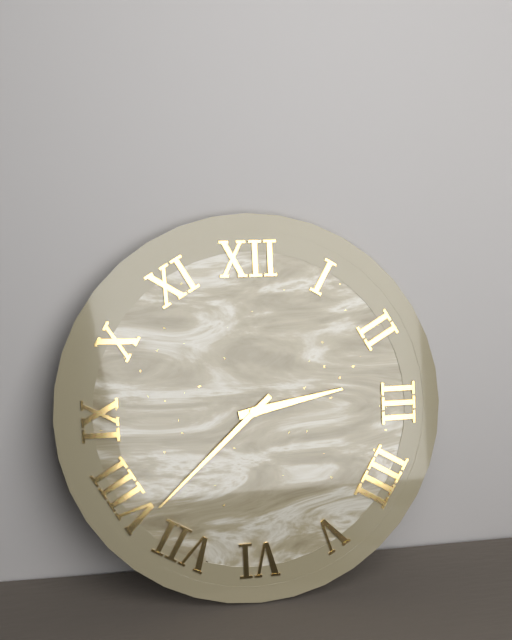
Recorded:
{"hour": 2, "minute": 38}
